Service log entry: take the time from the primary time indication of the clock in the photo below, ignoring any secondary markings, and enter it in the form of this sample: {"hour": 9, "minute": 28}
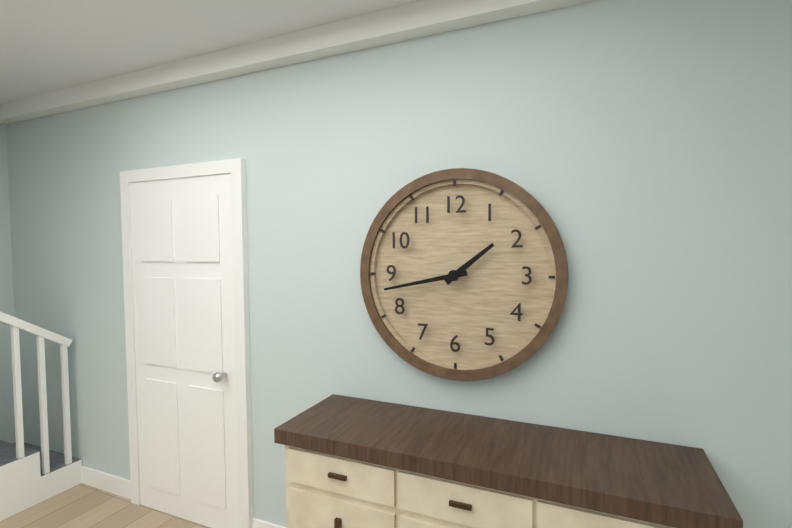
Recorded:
{"hour": 1, "minute": 43}
